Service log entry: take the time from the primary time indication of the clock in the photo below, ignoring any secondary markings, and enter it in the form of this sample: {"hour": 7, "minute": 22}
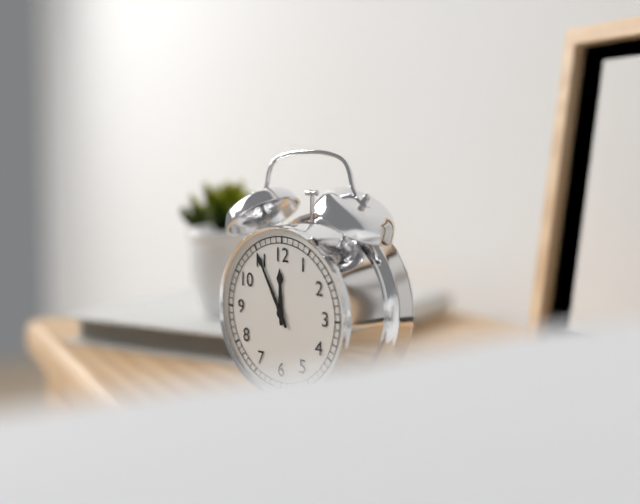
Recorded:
{"hour": 11, "minute": 55}
